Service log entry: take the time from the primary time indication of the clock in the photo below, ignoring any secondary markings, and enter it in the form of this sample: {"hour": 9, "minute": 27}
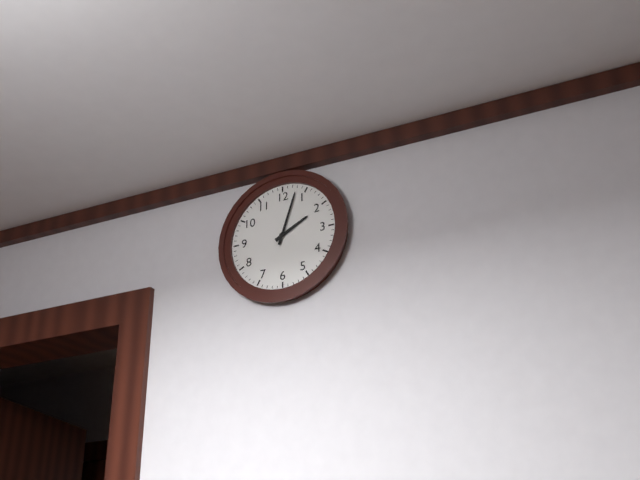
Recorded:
{"hour": 2, "minute": 3}
